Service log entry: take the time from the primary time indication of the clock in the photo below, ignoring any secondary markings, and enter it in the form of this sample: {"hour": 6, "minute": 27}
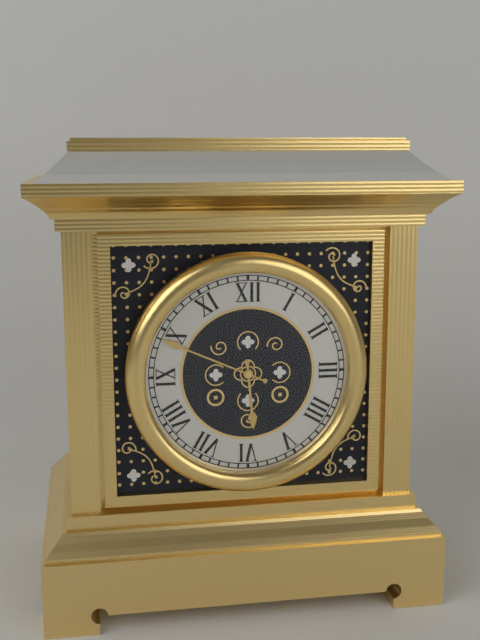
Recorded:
{"hour": 5, "minute": 49}
